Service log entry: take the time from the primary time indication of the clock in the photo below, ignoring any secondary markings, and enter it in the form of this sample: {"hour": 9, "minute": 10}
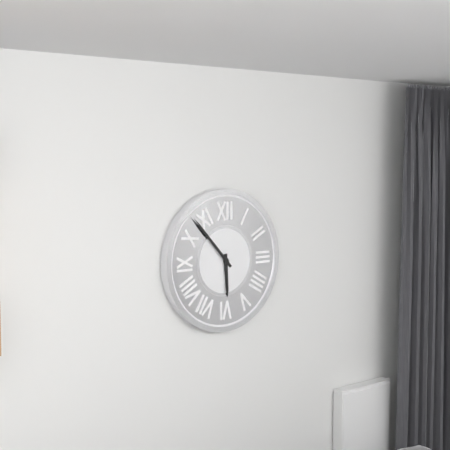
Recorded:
{"hour": 5, "minute": 53}
